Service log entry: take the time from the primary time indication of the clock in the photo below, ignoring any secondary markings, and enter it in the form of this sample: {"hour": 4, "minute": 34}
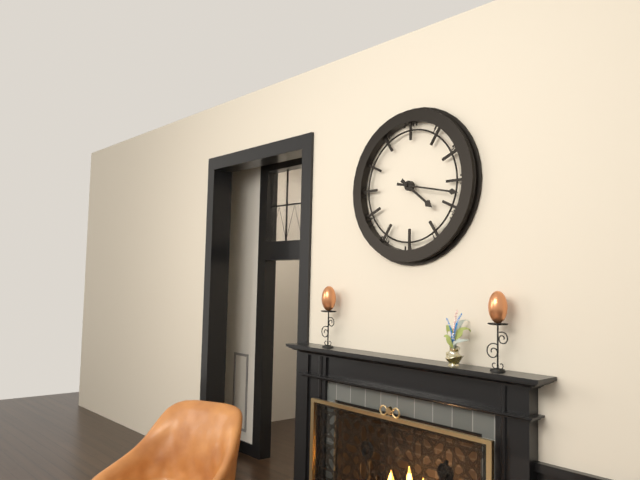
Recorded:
{"hour": 4, "minute": 17}
